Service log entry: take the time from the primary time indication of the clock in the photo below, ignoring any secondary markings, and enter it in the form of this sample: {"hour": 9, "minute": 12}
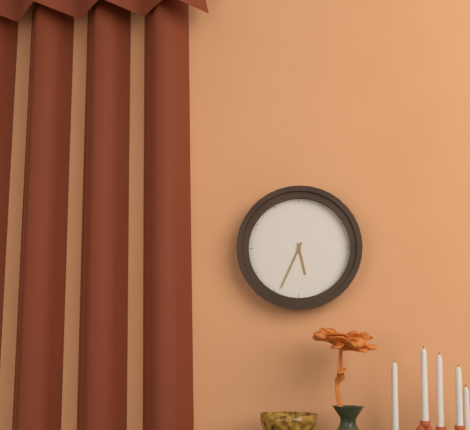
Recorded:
{"hour": 5, "minute": 34}
